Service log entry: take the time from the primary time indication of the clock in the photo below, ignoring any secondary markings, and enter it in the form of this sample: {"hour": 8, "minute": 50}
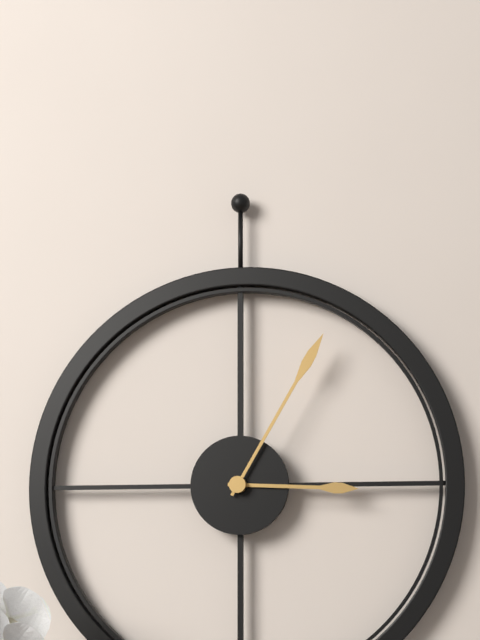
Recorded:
{"hour": 3, "minute": 5}
